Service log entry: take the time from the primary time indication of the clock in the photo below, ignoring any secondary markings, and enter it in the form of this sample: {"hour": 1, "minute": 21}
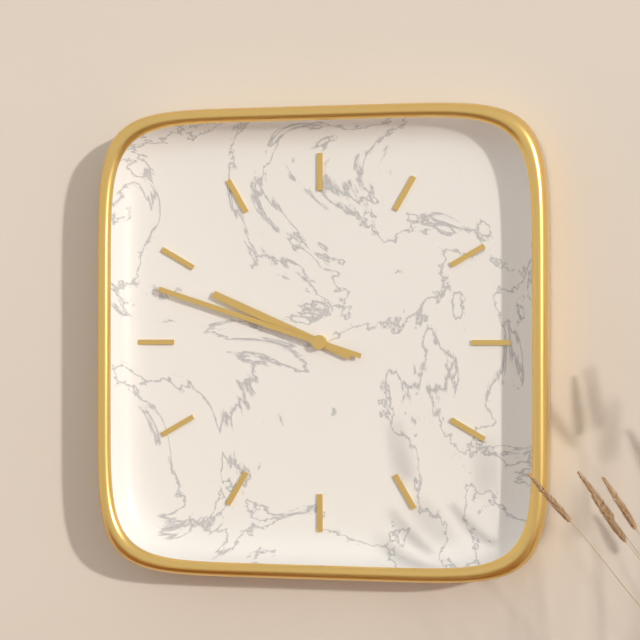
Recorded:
{"hour": 9, "minute": 48}
